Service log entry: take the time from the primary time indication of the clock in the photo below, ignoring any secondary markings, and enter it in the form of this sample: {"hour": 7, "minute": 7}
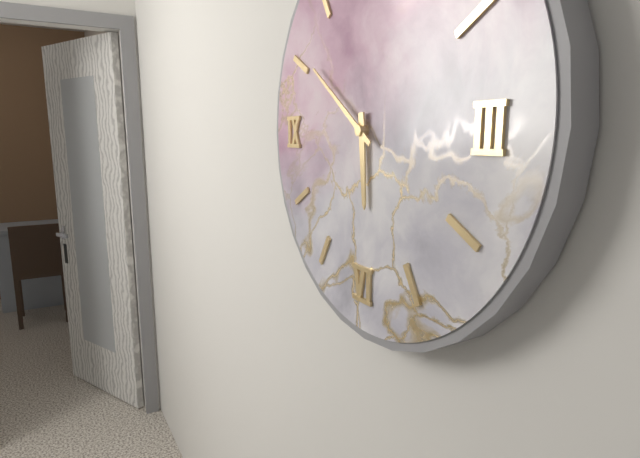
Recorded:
{"hour": 5, "minute": 51}
